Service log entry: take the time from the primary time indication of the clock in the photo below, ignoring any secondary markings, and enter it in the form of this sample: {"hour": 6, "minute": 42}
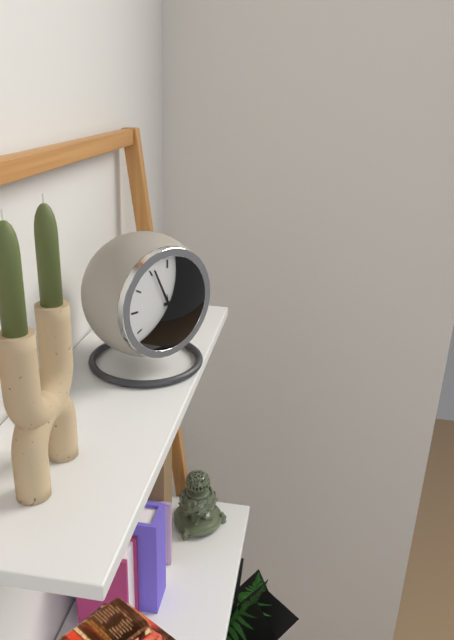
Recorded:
{"hour": 2, "minute": 56}
